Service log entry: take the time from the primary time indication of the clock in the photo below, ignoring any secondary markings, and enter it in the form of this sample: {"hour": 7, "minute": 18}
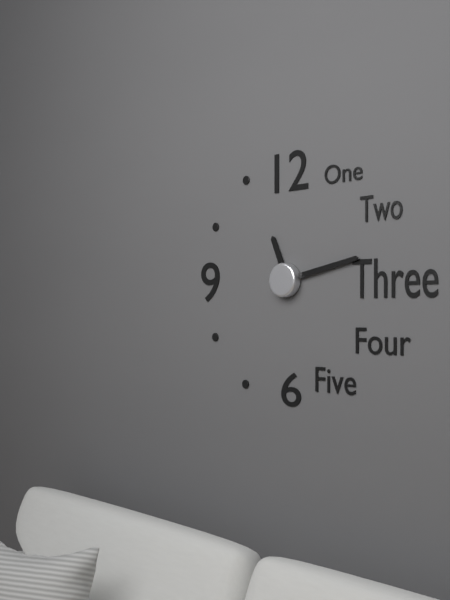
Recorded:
{"hour": 11, "minute": 13}
